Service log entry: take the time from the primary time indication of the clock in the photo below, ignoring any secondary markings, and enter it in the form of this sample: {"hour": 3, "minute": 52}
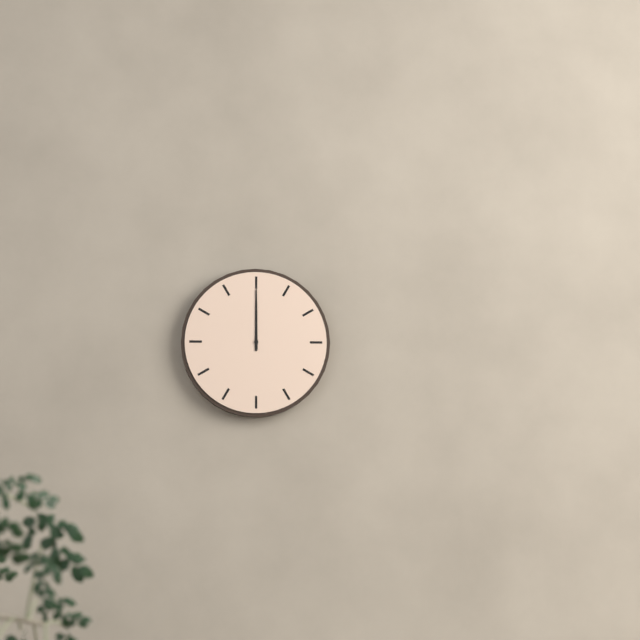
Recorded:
{"hour": 12, "minute": 0}
